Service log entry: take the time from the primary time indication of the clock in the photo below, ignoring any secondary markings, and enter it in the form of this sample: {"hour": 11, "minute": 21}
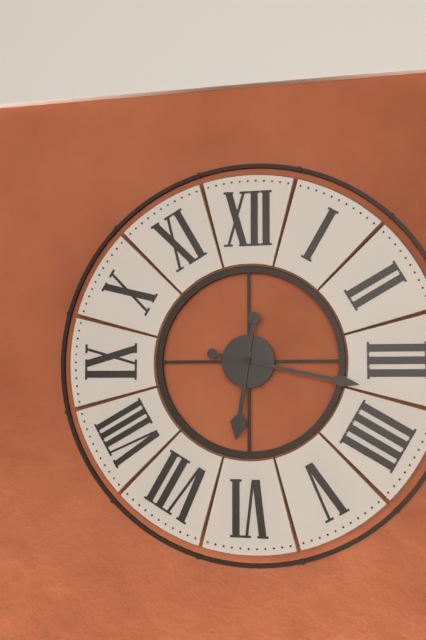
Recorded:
{"hour": 6, "minute": 17}
